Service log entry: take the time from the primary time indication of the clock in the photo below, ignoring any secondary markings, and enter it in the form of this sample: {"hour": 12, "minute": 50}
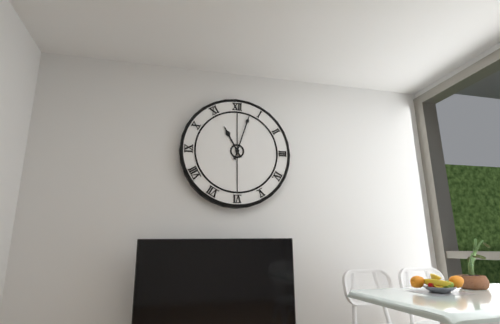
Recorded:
{"hour": 11, "minute": 3}
